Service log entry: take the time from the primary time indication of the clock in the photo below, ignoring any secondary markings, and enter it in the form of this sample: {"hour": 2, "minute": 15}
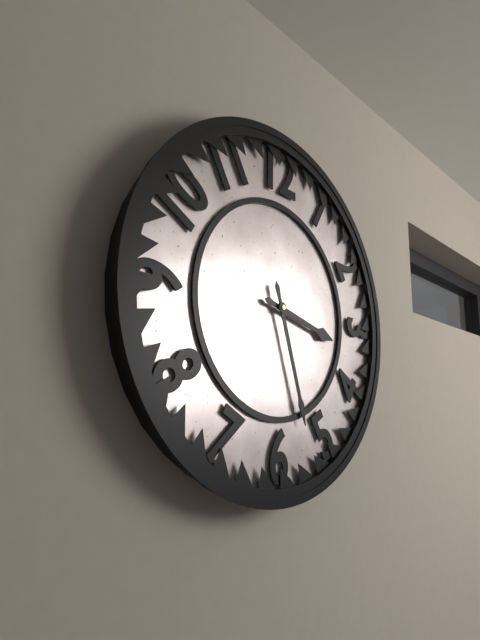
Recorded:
{"hour": 3, "minute": 27}
